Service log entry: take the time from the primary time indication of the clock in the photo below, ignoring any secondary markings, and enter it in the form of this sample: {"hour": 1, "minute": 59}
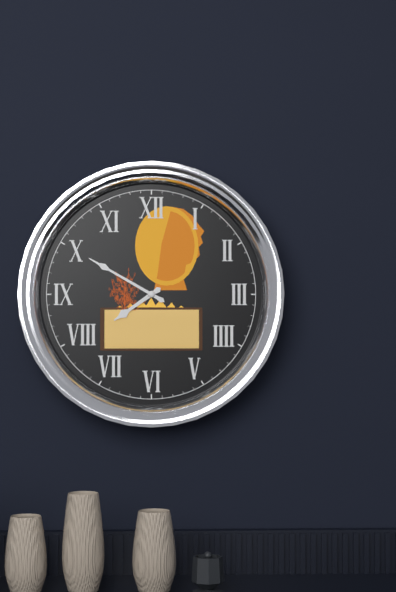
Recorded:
{"hour": 7, "minute": 50}
